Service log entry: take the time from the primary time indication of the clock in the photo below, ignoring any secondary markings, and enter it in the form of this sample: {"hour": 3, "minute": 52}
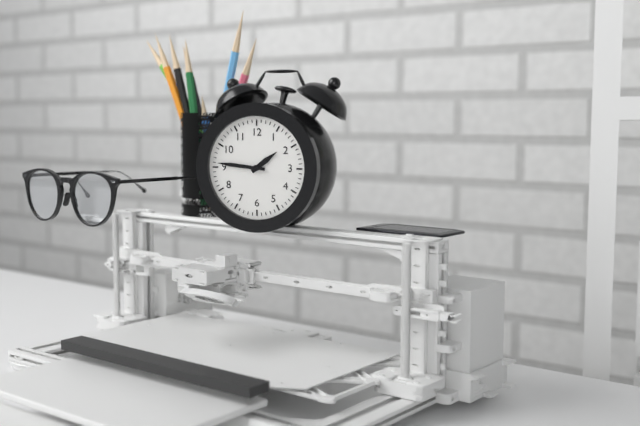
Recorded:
{"hour": 1, "minute": 46}
